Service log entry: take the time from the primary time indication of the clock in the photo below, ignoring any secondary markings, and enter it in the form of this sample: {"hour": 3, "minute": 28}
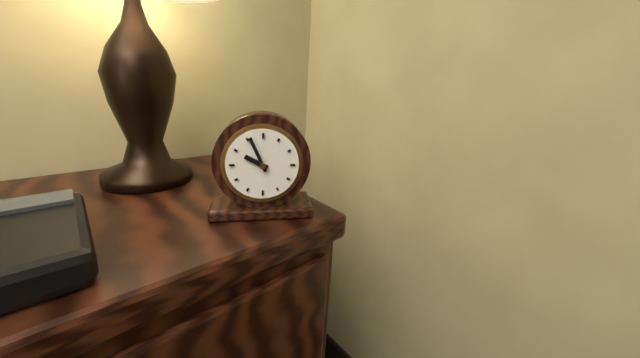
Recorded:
{"hour": 9, "minute": 56}
